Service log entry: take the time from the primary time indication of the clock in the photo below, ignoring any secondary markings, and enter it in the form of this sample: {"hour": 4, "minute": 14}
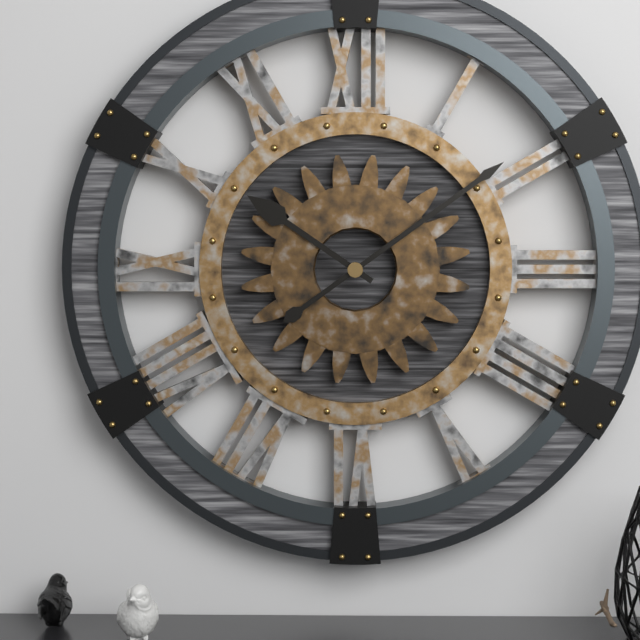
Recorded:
{"hour": 10, "minute": 9}
